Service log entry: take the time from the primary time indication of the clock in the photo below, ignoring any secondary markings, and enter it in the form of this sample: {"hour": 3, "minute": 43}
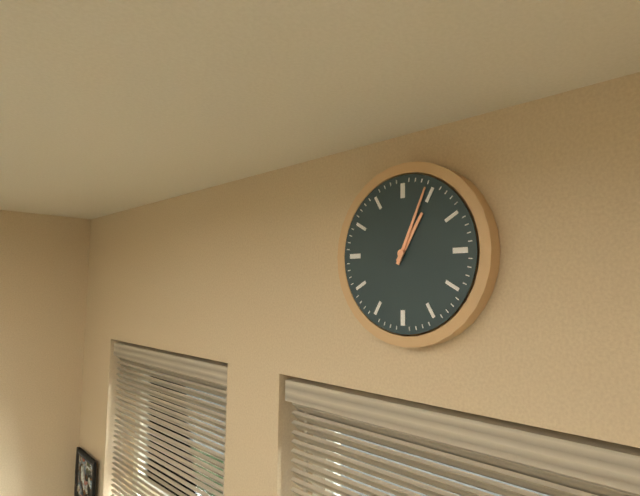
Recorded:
{"hour": 1, "minute": 4}
